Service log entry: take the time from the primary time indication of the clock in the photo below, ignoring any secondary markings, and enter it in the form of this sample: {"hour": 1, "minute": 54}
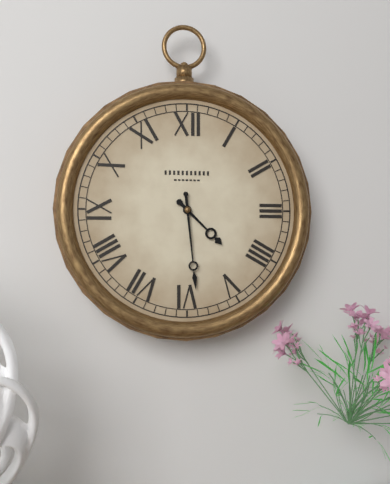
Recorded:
{"hour": 4, "minute": 29}
